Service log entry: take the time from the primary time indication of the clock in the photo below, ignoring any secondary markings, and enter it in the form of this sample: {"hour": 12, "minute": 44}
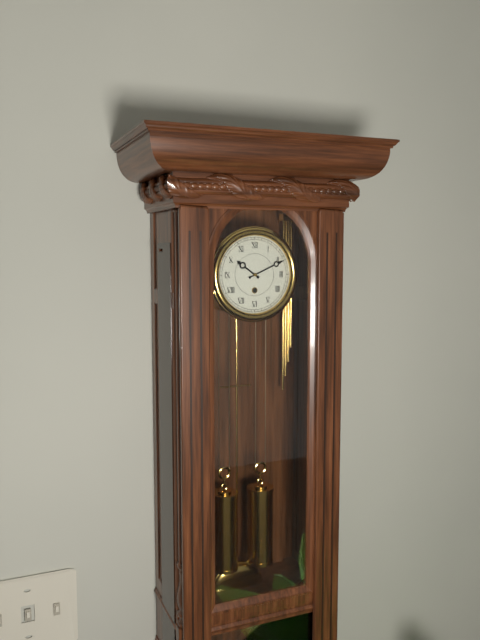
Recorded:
{"hour": 10, "minute": 11}
